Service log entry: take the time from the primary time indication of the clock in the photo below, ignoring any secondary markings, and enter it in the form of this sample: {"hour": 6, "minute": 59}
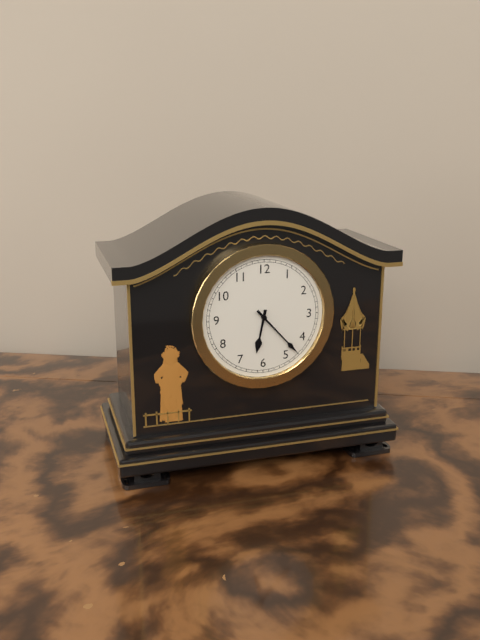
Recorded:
{"hour": 6, "minute": 23}
